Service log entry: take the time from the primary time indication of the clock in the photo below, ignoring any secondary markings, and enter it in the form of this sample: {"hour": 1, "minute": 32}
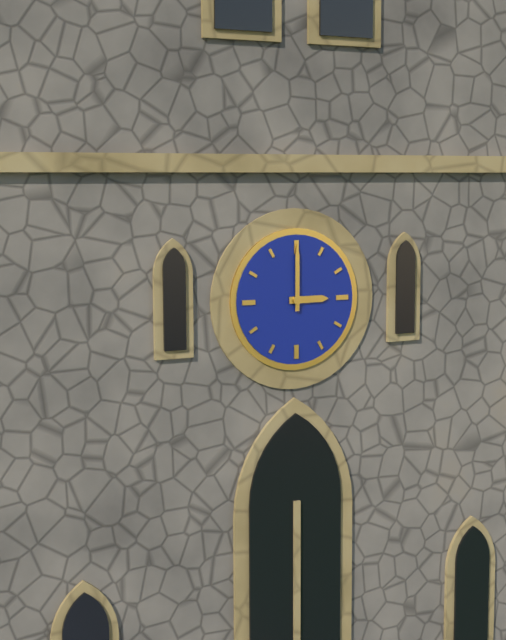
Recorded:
{"hour": 3, "minute": 0}
